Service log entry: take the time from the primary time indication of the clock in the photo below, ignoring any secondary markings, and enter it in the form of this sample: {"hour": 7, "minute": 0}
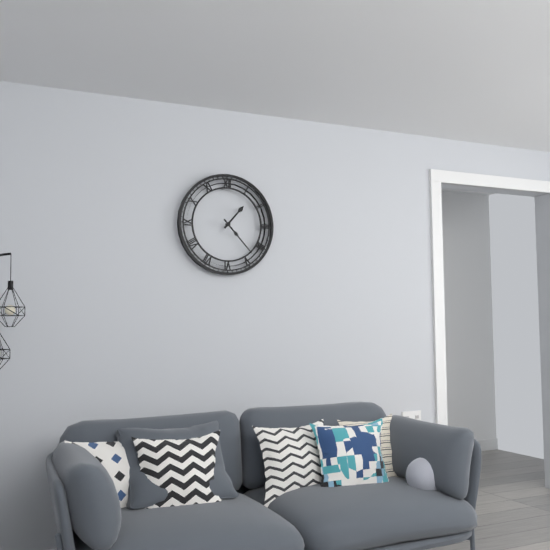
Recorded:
{"hour": 1, "minute": 23}
